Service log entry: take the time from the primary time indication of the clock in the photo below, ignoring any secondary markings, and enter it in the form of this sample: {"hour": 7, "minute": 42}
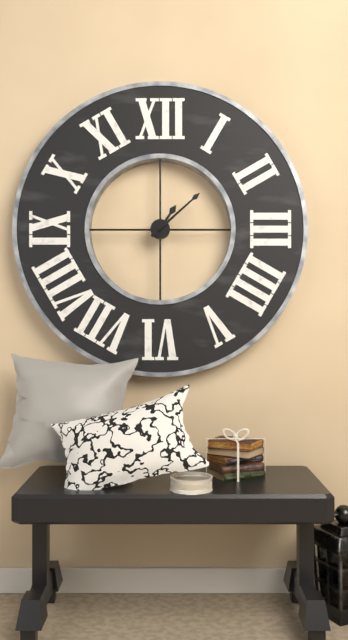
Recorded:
{"hour": 1, "minute": 8}
